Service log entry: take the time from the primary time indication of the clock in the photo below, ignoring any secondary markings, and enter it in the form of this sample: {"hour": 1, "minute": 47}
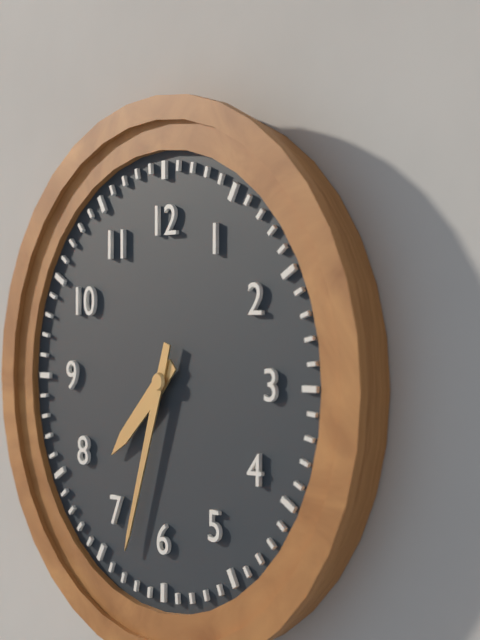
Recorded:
{"hour": 7, "minute": 33}
